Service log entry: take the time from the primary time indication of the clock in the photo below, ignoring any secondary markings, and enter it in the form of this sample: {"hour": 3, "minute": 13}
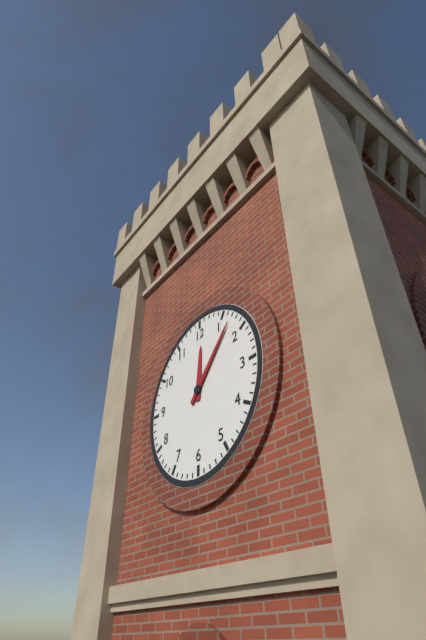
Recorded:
{"hour": 12, "minute": 7}
